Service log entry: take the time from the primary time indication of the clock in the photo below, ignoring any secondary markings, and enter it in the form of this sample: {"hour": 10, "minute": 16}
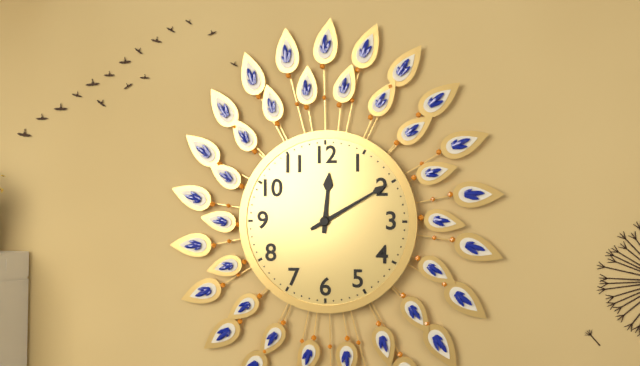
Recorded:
{"hour": 12, "minute": 10}
